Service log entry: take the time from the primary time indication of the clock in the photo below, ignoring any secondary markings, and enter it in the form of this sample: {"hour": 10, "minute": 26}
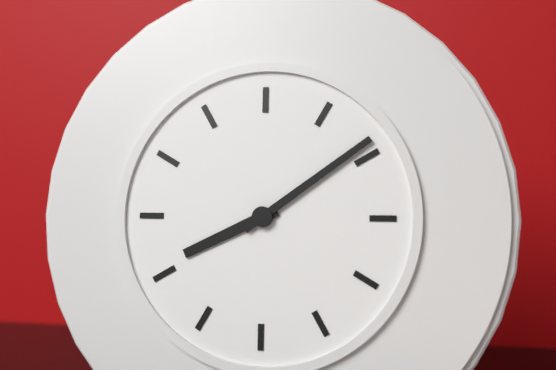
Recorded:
{"hour": 8, "minute": 9}
